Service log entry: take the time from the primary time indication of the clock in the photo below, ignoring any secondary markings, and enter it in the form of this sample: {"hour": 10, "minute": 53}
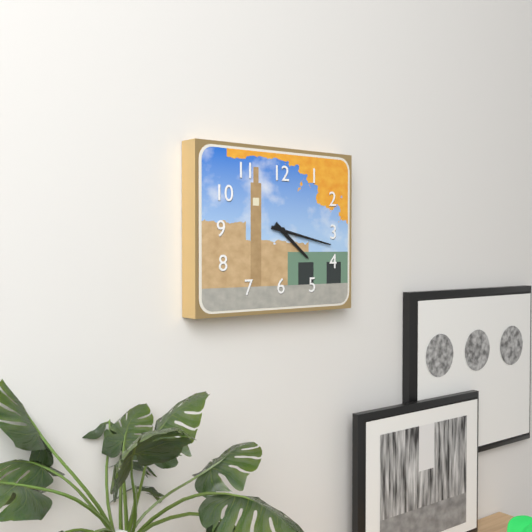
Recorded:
{"hour": 4, "minute": 17}
